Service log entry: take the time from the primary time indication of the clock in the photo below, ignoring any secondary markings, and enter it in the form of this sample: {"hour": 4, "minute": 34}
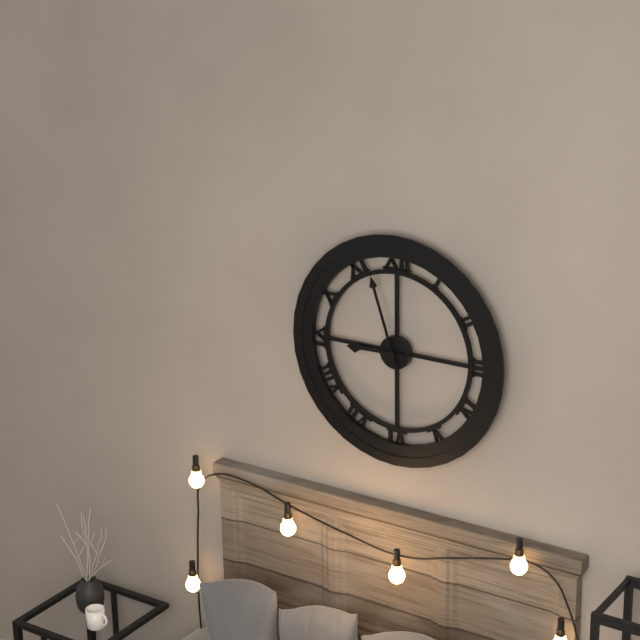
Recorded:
{"hour": 8, "minute": 57}
